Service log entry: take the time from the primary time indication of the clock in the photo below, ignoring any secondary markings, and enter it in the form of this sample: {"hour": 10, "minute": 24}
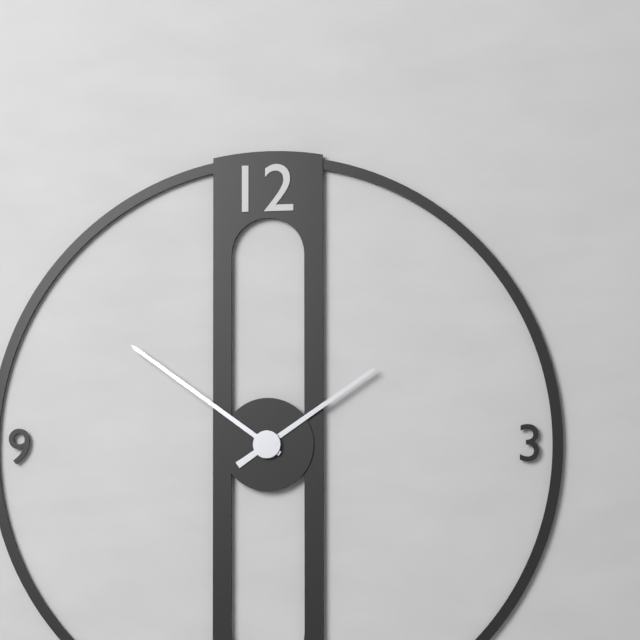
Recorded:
{"hour": 1, "minute": 51}
